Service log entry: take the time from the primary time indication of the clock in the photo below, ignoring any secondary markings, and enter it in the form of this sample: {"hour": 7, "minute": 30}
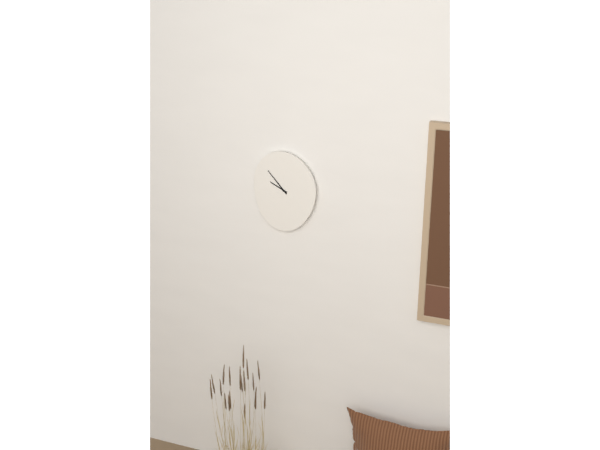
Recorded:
{"hour": 9, "minute": 53}
